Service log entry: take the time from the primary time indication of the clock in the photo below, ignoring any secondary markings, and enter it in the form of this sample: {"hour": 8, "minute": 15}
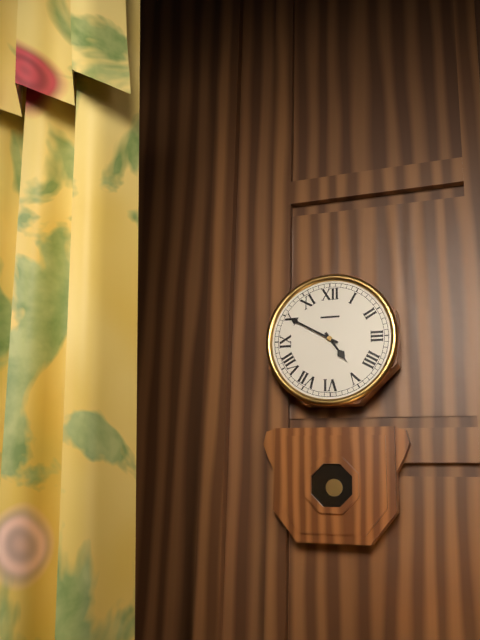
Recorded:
{"hour": 4, "minute": 50}
